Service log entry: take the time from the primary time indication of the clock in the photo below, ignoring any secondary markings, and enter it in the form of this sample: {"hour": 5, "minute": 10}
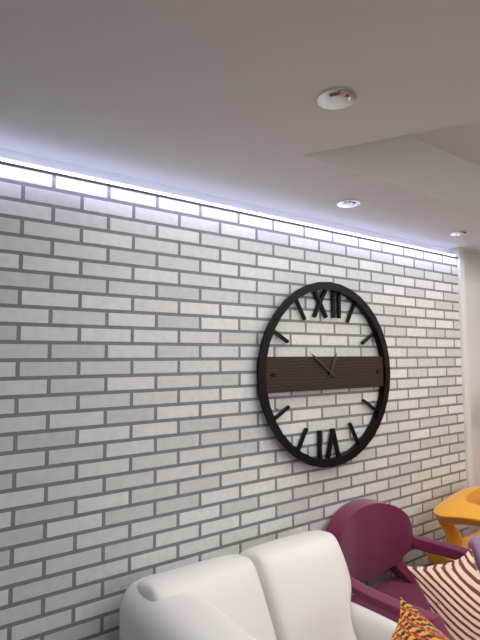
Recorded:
{"hour": 12, "minute": 51}
